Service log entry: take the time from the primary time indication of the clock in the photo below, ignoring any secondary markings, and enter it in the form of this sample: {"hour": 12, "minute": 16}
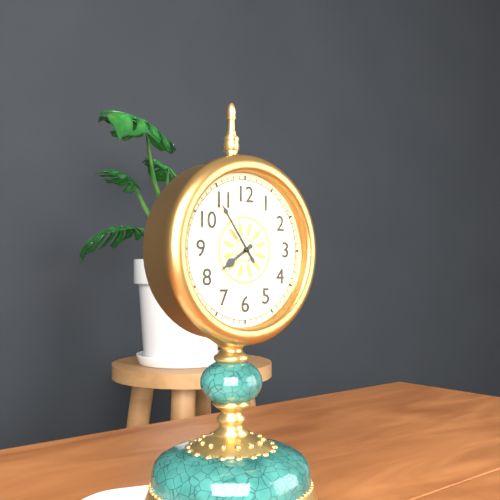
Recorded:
{"hour": 7, "minute": 54}
